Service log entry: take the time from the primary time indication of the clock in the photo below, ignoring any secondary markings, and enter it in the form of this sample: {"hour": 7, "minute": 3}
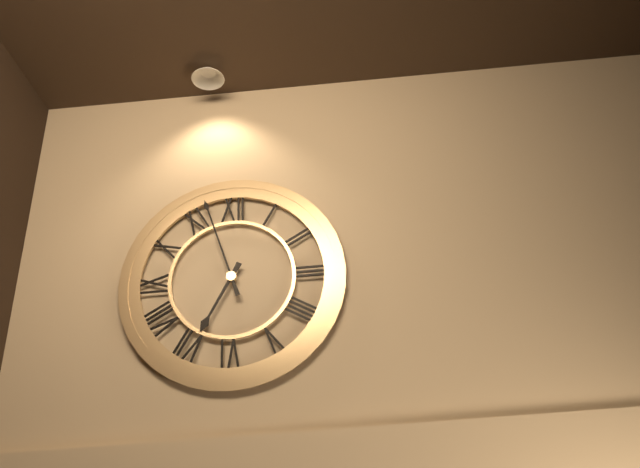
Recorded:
{"hour": 6, "minute": 57}
